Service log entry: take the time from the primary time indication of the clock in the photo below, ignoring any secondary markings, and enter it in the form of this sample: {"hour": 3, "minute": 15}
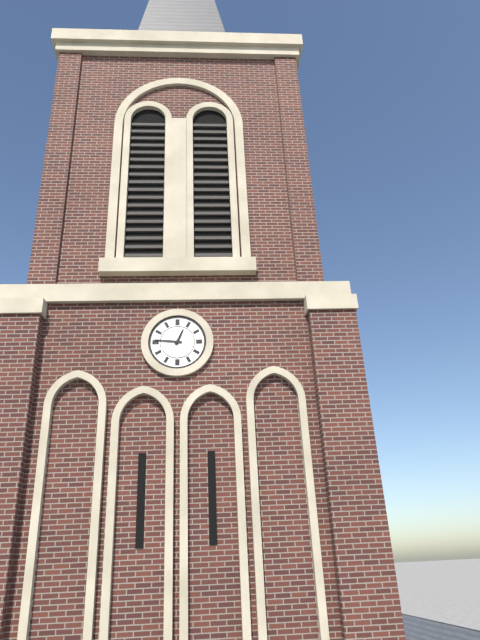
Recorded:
{"hour": 12, "minute": 46}
